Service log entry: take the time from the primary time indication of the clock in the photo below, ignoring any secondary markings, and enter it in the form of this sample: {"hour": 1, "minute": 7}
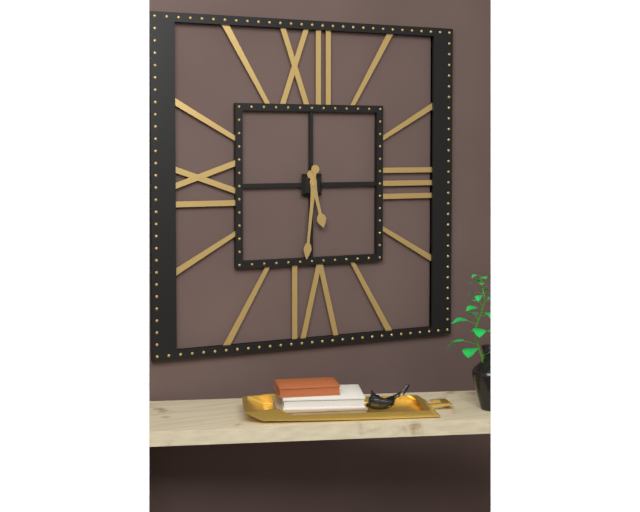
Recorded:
{"hour": 5, "minute": 31}
